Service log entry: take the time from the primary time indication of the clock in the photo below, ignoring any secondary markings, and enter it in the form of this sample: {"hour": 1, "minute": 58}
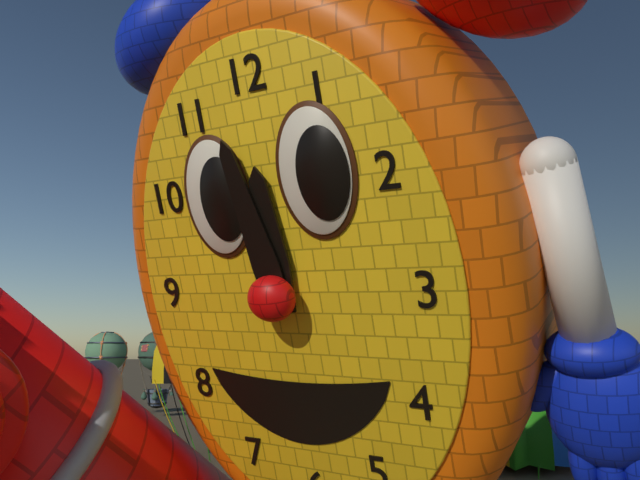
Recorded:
{"hour": 11, "minute": 58}
